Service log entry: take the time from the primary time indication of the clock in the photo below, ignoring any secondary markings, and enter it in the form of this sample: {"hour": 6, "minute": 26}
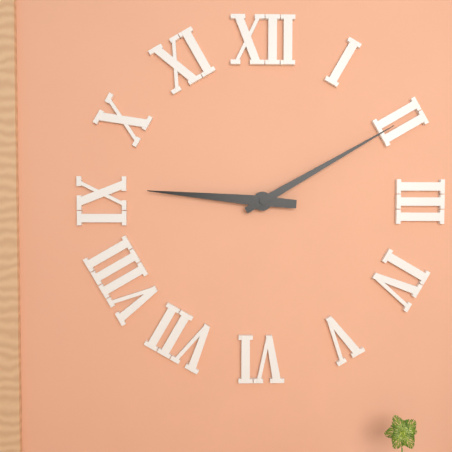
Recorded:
{"hour": 9, "minute": 10}
